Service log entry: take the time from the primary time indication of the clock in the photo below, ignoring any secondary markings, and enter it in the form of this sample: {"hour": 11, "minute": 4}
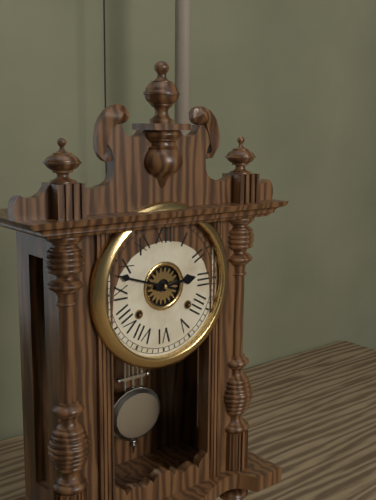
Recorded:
{"hour": 2, "minute": 48}
